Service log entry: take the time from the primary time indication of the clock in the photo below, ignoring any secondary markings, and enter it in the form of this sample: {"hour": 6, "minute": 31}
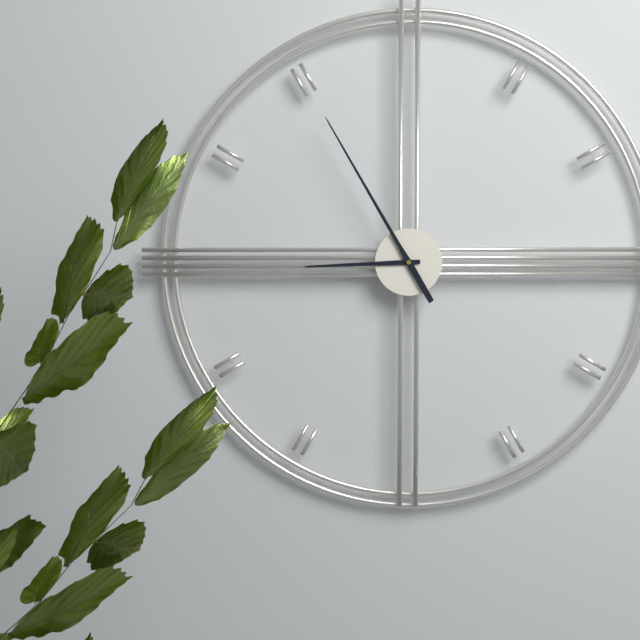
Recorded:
{"hour": 8, "minute": 55}
